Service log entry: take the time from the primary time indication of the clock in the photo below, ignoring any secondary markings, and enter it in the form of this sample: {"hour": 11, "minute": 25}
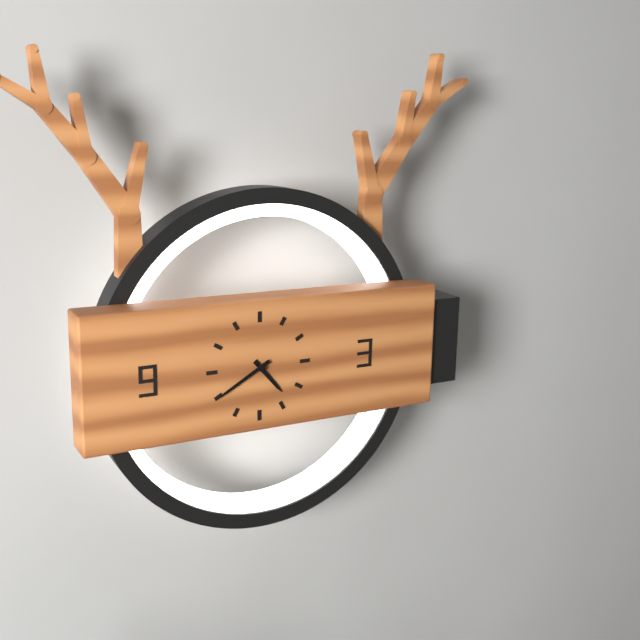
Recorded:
{"hour": 4, "minute": 40}
